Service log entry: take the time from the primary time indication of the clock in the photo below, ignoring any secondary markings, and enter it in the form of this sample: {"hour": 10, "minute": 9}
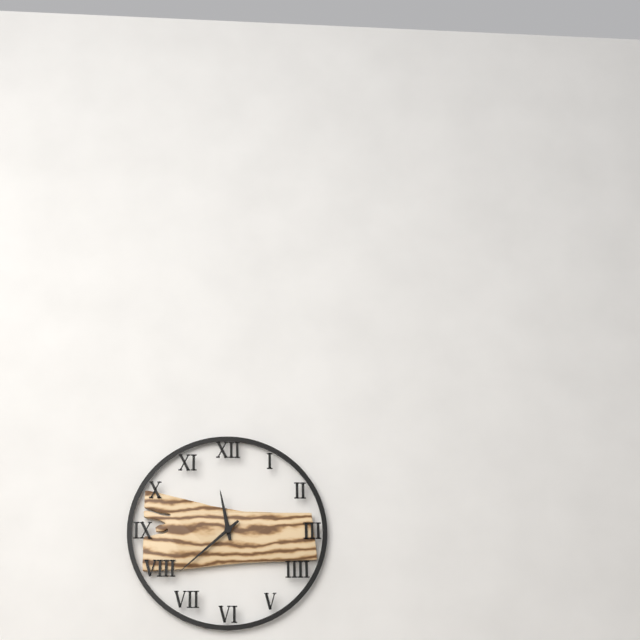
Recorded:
{"hour": 11, "minute": 38}
